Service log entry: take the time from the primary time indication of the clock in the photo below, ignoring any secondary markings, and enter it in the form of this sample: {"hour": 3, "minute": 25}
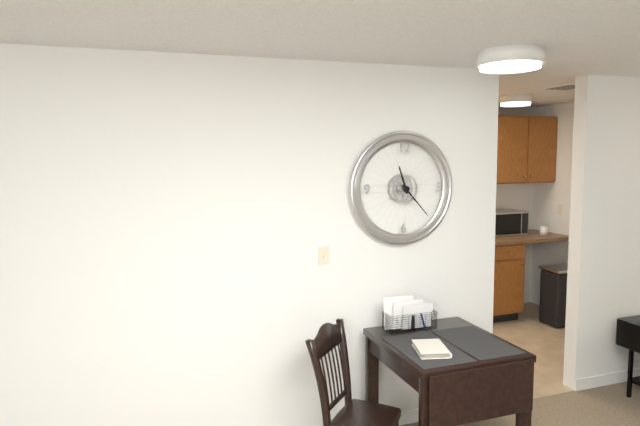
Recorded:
{"hour": 11, "minute": 23}
